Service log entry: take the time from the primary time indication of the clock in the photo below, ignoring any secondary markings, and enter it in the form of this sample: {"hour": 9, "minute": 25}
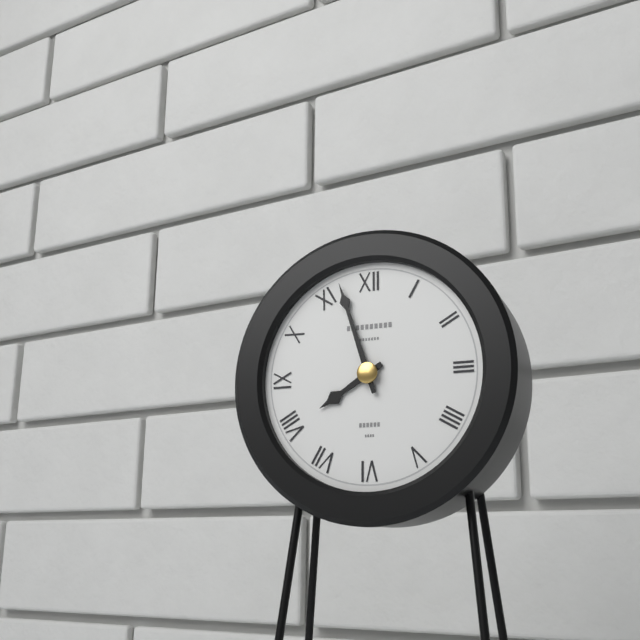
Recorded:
{"hour": 7, "minute": 57}
